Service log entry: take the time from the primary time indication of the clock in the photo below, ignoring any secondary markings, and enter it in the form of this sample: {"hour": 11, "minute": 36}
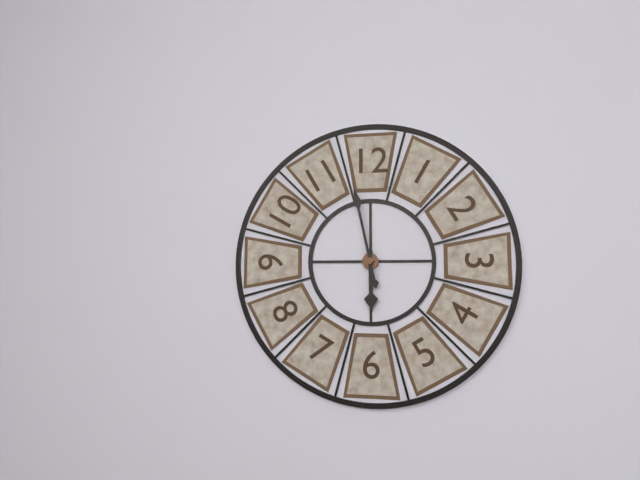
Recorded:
{"hour": 5, "minute": 58}
